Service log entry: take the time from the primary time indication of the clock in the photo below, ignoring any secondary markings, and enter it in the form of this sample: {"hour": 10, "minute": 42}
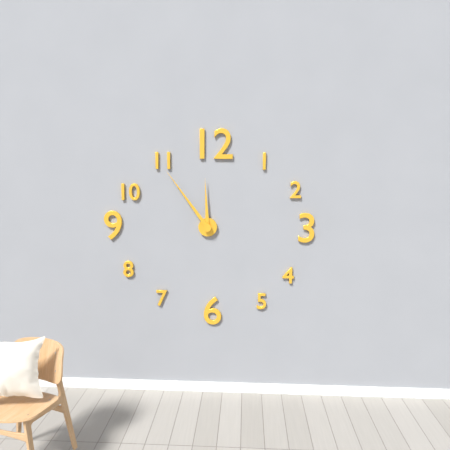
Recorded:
{"hour": 11, "minute": 54}
